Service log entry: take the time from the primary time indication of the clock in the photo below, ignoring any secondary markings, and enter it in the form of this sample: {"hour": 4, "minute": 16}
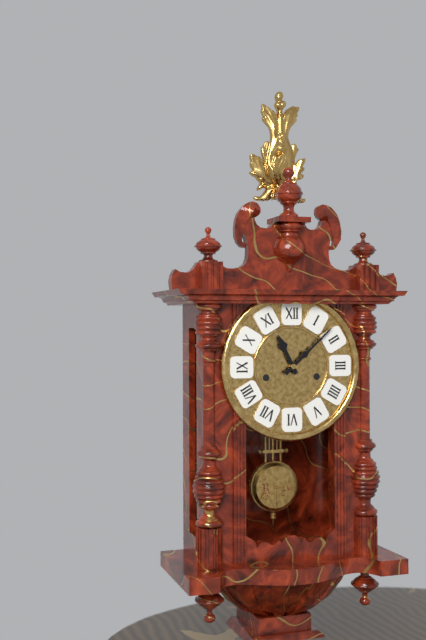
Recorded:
{"hour": 11, "minute": 8}
